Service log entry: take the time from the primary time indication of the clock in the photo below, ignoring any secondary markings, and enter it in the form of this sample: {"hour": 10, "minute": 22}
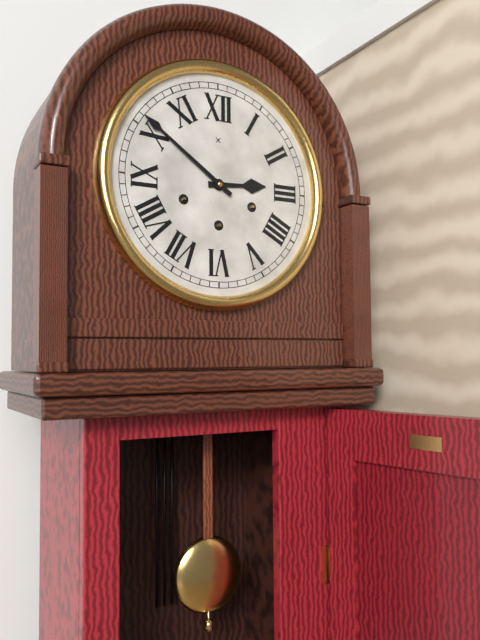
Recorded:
{"hour": 2, "minute": 51}
